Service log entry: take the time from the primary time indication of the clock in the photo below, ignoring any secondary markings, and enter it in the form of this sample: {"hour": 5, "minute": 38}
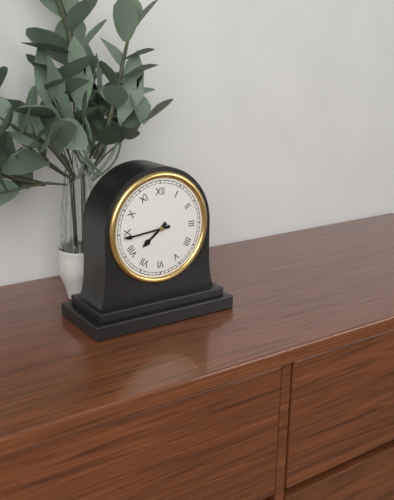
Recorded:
{"hour": 7, "minute": 44}
